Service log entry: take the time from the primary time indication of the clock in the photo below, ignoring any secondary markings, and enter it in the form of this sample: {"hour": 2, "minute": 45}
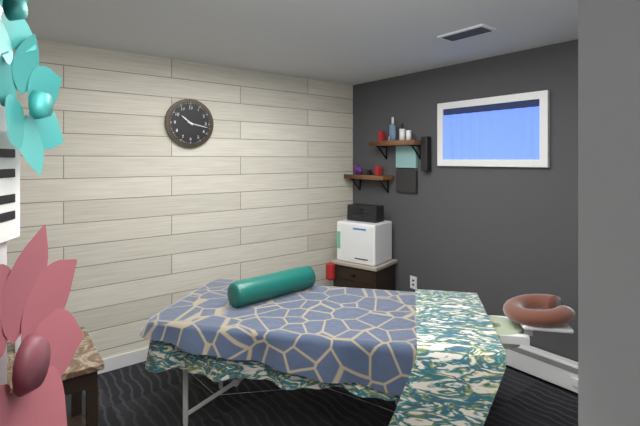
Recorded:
{"hour": 10, "minute": 17}
